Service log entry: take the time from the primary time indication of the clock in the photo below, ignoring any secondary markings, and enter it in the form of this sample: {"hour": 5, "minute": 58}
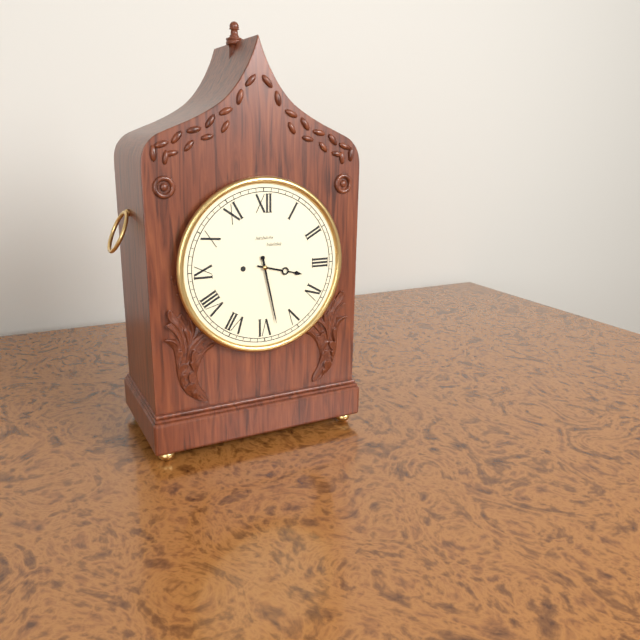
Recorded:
{"hour": 3, "minute": 28}
